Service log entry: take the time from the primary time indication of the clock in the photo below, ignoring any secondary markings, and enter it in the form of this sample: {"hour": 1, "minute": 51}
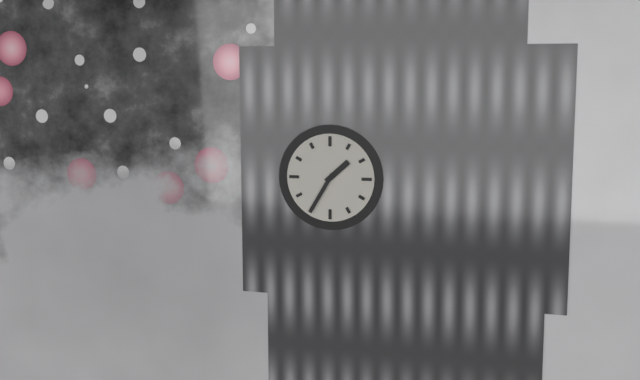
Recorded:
{"hour": 1, "minute": 35}
